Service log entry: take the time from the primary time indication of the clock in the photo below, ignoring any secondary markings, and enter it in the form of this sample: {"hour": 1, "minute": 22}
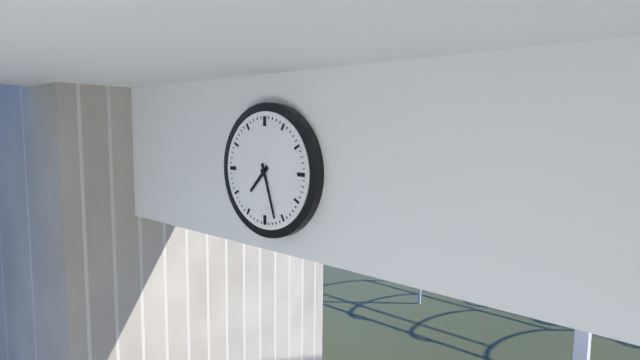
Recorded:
{"hour": 7, "minute": 27}
